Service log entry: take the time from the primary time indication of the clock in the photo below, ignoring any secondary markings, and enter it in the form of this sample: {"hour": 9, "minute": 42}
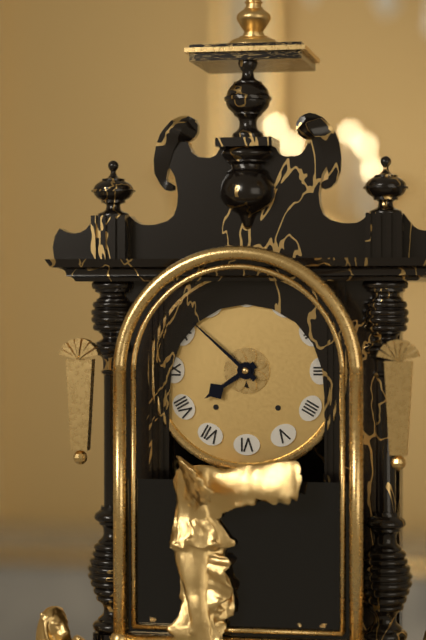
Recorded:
{"hour": 7, "minute": 52}
